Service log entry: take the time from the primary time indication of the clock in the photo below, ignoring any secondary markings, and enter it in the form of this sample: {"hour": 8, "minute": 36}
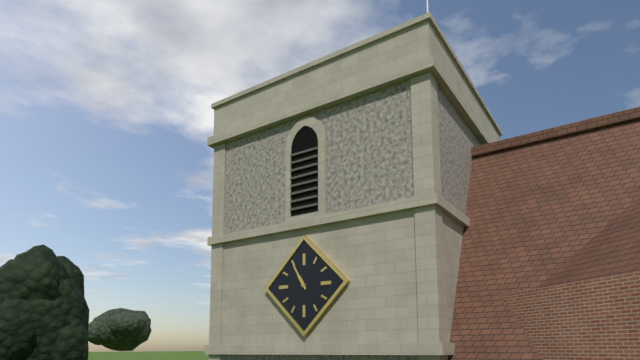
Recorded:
{"hour": 10, "minute": 55}
